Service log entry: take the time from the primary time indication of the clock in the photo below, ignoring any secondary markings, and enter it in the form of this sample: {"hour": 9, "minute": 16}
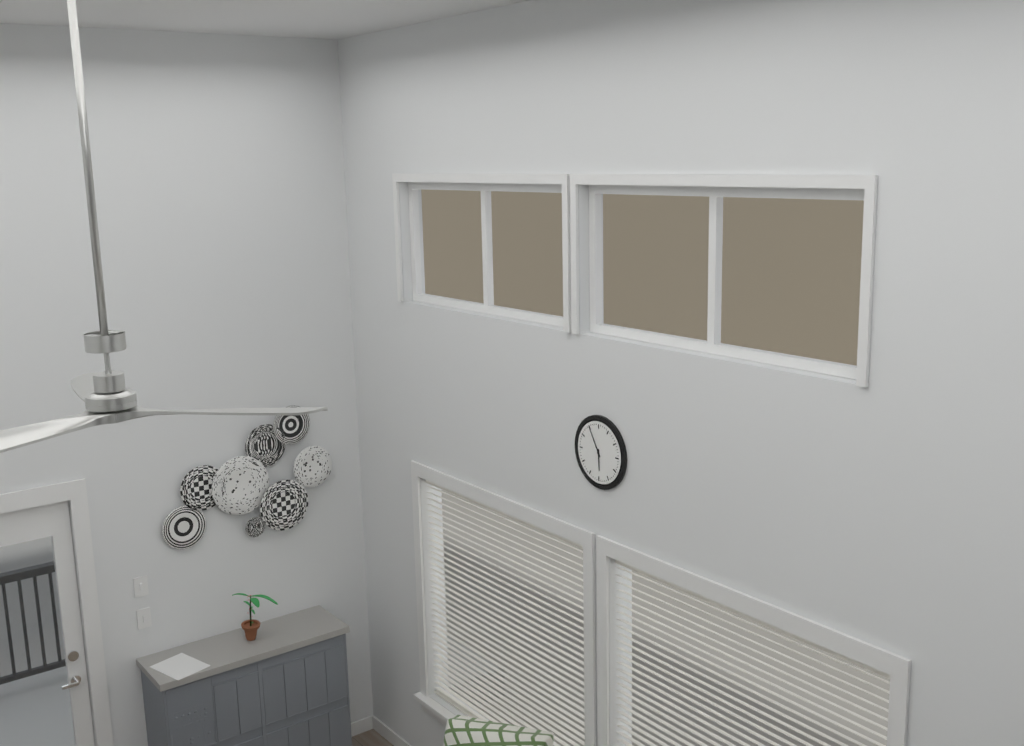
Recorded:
{"hour": 5, "minute": 55}
